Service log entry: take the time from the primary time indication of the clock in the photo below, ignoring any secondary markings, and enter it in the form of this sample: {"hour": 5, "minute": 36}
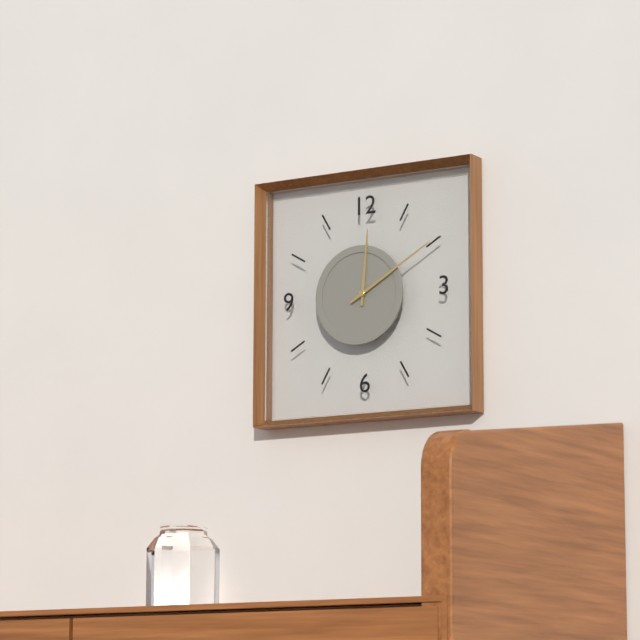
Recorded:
{"hour": 12, "minute": 10}
